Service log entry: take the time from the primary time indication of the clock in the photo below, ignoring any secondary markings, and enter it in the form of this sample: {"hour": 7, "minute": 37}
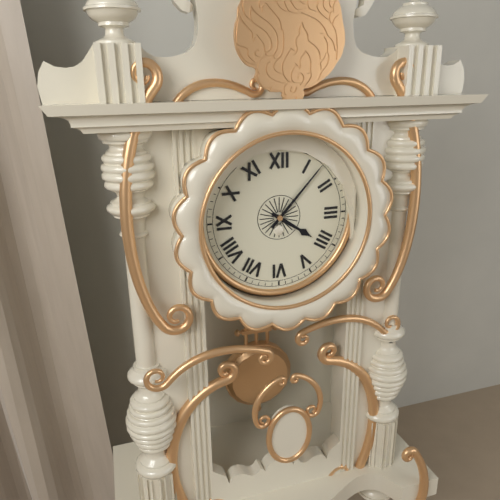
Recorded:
{"hour": 4, "minute": 7}
